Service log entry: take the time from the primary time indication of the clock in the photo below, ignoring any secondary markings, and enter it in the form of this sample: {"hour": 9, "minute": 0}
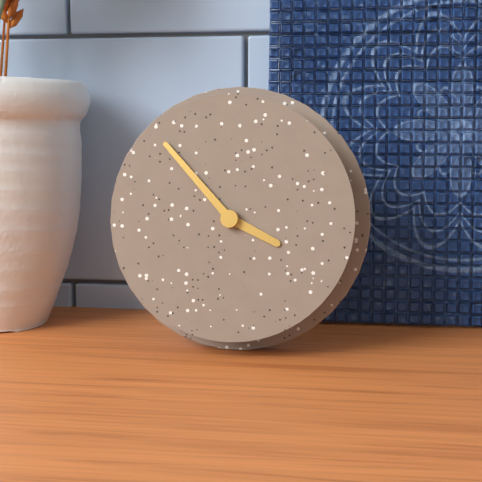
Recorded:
{"hour": 3, "minute": 53}
